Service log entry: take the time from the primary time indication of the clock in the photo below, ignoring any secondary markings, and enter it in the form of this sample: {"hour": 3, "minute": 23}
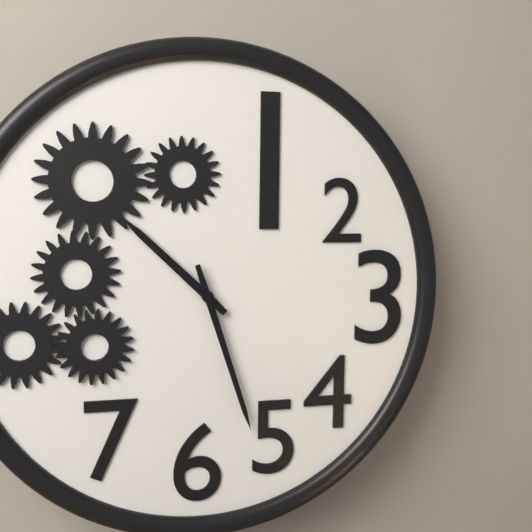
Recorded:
{"hour": 10, "minute": 27}
